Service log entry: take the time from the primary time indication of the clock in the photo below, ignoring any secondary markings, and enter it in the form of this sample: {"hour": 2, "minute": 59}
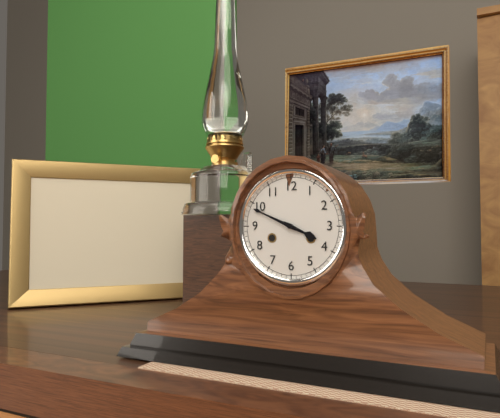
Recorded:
{"hour": 3, "minute": 49}
